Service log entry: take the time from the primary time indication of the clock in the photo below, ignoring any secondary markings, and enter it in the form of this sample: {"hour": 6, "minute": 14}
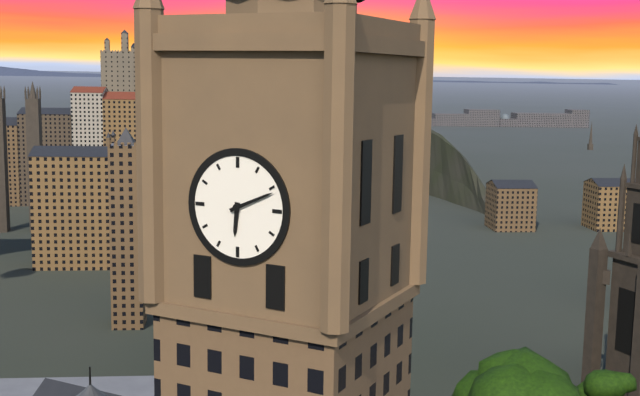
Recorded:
{"hour": 6, "minute": 11}
